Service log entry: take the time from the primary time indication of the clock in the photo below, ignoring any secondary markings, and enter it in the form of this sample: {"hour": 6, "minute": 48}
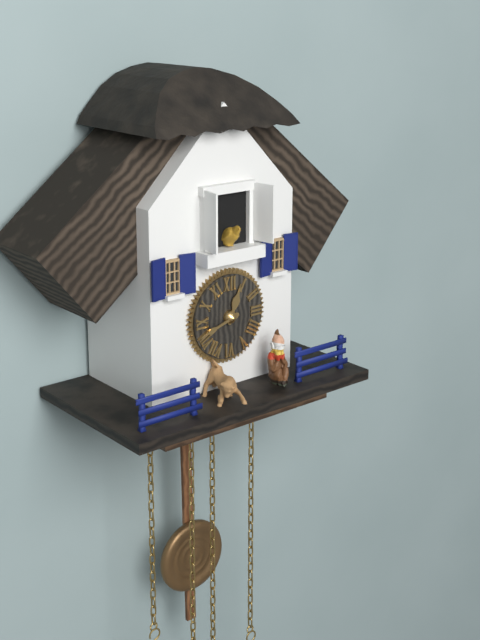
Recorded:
{"hour": 12, "minute": 42}
